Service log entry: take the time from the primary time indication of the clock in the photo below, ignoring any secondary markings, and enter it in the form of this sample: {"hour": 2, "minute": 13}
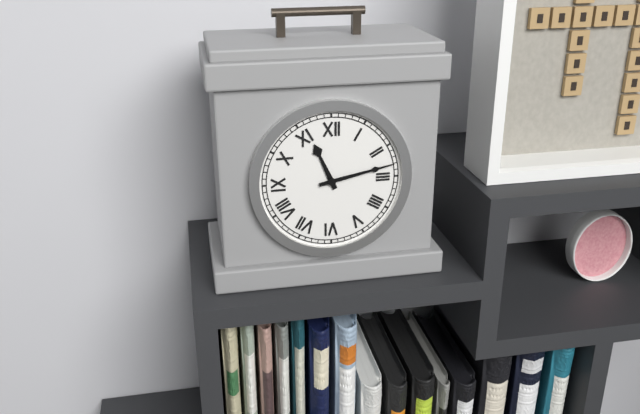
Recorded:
{"hour": 11, "minute": 13}
